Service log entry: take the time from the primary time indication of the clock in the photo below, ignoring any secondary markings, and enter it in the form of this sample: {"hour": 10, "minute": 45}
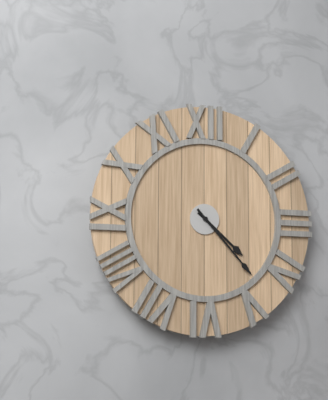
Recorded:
{"hour": 4, "minute": 23}
